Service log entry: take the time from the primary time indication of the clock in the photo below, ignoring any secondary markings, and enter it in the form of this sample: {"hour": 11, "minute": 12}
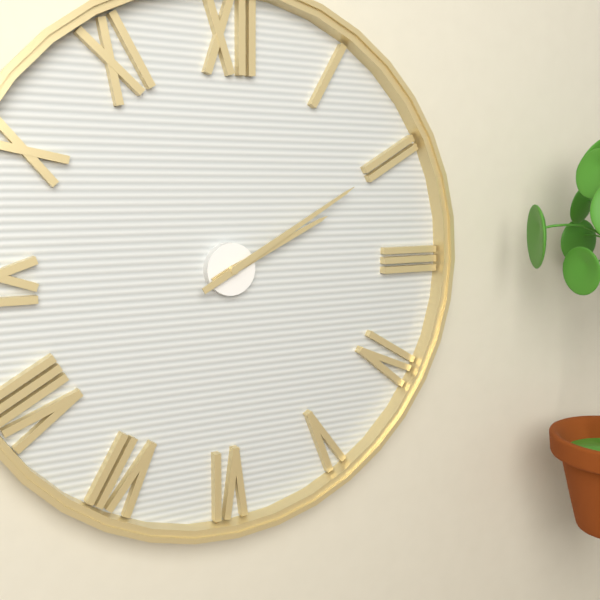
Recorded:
{"hour": 2, "minute": 10}
